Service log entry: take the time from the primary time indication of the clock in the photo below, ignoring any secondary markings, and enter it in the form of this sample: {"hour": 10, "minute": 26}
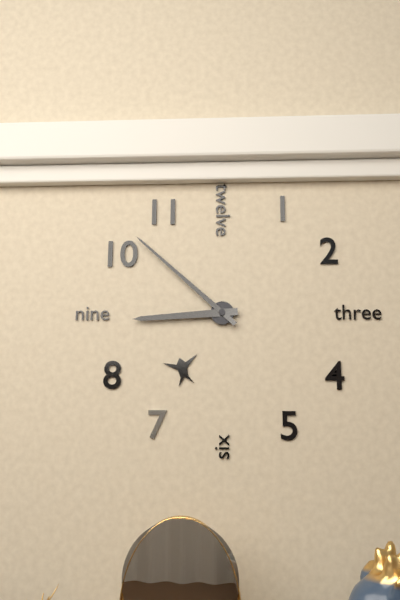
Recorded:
{"hour": 8, "minute": 52}
